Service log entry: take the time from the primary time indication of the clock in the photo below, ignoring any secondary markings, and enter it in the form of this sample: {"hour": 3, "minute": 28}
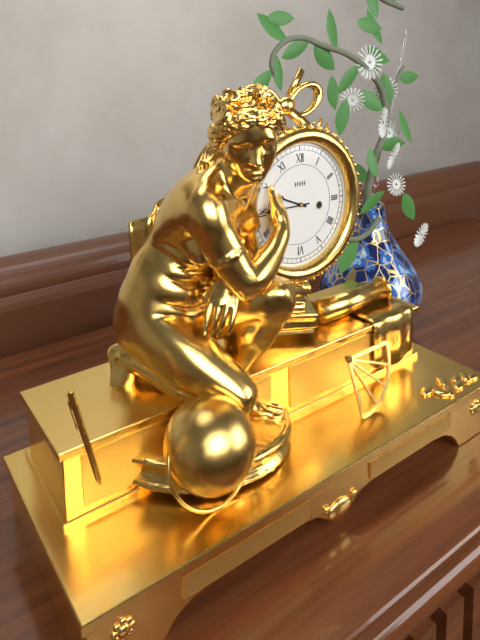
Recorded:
{"hour": 9, "minute": 45}
